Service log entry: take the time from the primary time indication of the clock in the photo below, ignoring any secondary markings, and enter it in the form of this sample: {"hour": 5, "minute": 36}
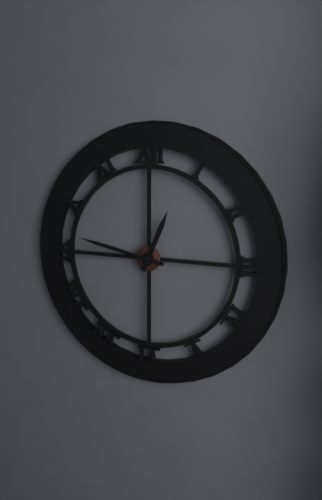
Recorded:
{"hour": 12, "minute": 47}
